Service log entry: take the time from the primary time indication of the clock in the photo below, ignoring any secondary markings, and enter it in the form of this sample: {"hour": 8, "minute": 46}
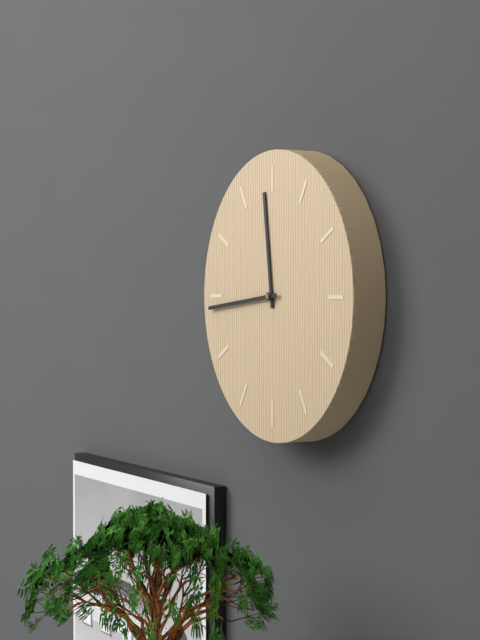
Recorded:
{"hour": 11, "minute": 44}
